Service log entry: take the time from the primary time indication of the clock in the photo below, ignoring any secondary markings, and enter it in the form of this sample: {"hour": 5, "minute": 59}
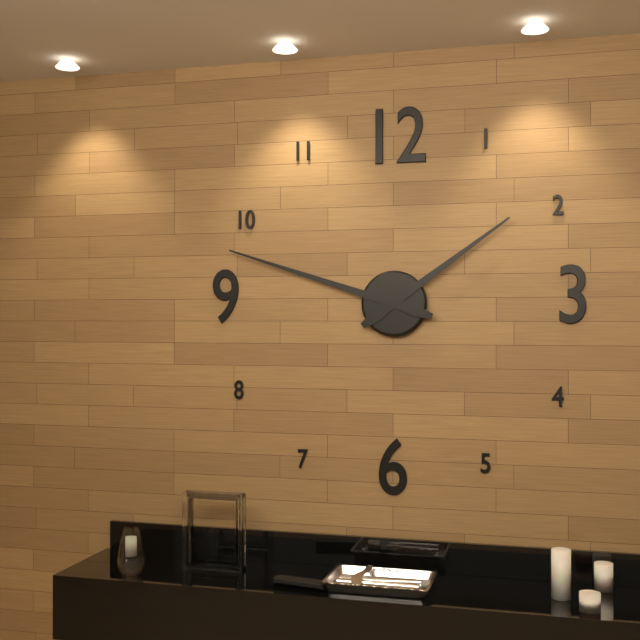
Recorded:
{"hour": 1, "minute": 48}
